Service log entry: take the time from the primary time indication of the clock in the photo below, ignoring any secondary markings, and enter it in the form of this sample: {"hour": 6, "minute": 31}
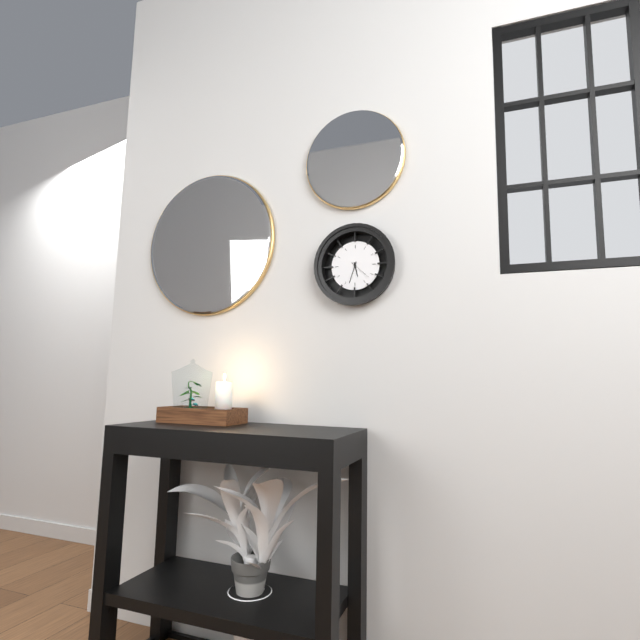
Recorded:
{"hour": 5, "minute": 33}
